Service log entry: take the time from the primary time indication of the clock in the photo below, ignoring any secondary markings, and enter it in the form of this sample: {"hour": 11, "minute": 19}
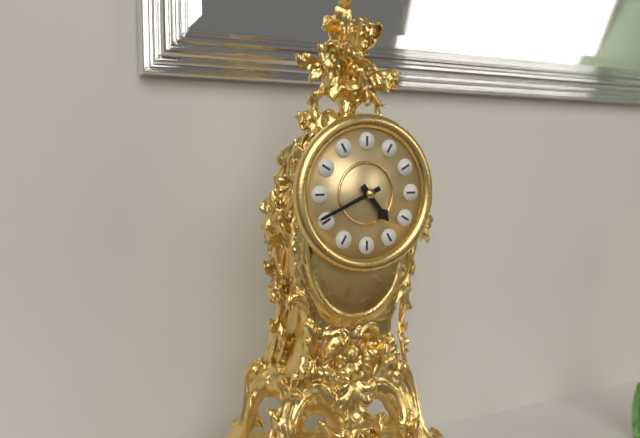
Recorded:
{"hour": 4, "minute": 41}
